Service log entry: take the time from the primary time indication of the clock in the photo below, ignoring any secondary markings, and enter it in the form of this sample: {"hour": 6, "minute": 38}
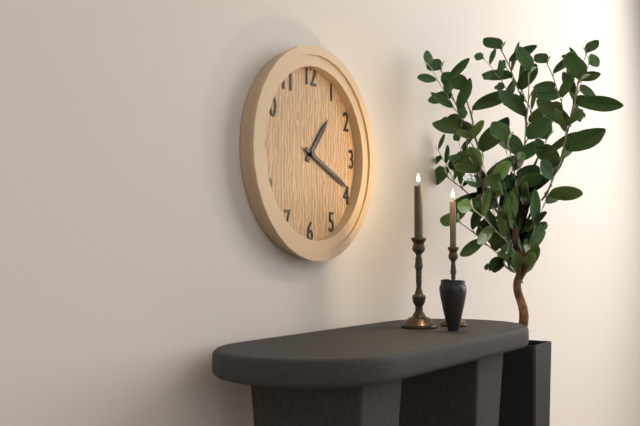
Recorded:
{"hour": 1, "minute": 19}
